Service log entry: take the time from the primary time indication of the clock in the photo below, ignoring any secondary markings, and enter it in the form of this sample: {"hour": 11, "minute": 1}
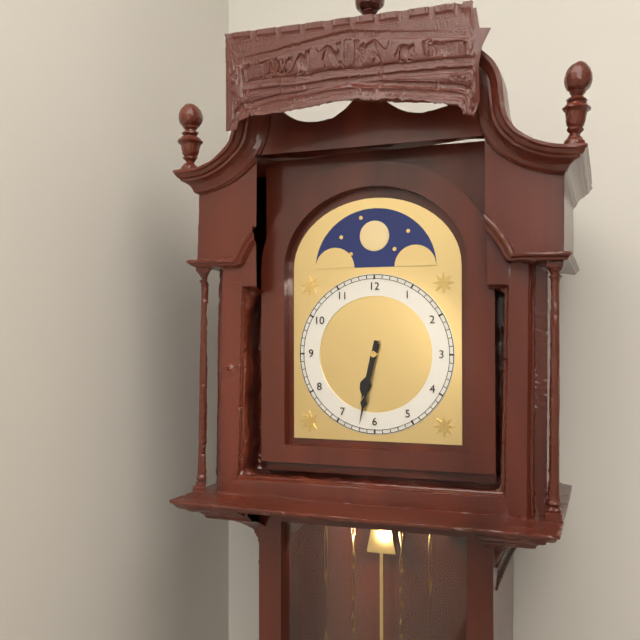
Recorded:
{"hour": 6, "minute": 32}
